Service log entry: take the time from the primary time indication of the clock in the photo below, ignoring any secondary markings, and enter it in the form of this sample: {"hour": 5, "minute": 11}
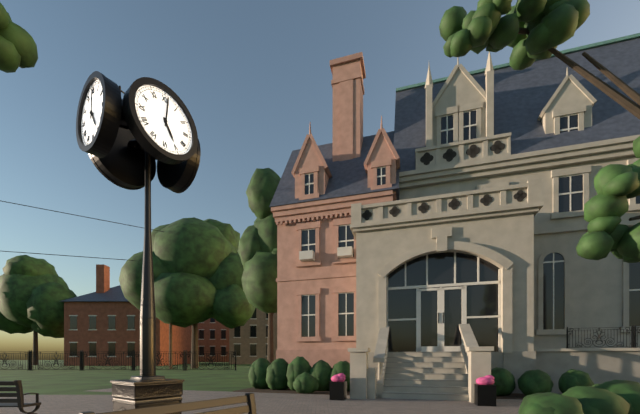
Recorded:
{"hour": 5, "minute": 1}
